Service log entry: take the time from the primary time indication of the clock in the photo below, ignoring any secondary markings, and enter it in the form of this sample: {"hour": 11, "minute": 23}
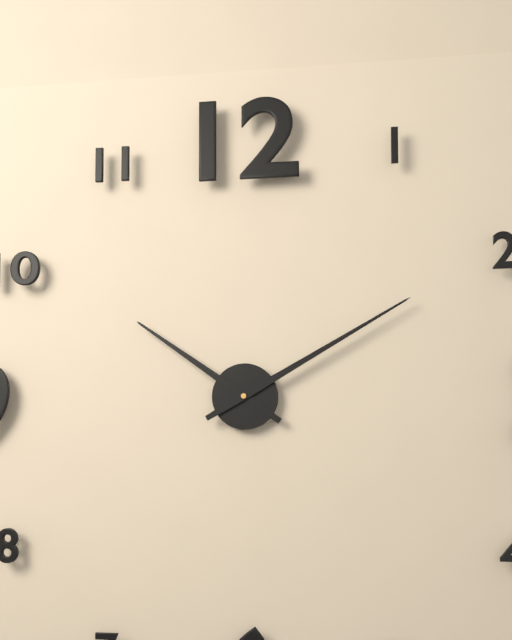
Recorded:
{"hour": 10, "minute": 10}
